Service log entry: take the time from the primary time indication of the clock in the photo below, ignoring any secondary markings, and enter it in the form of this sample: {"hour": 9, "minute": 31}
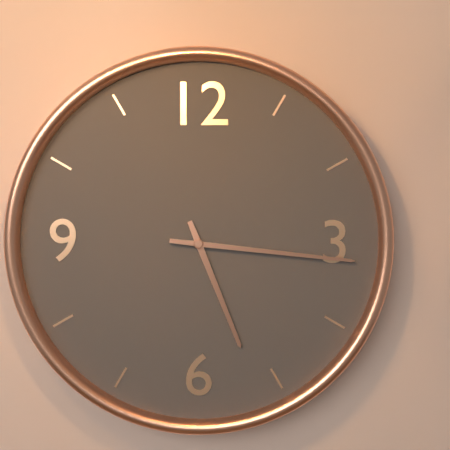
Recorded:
{"hour": 5, "minute": 16}
